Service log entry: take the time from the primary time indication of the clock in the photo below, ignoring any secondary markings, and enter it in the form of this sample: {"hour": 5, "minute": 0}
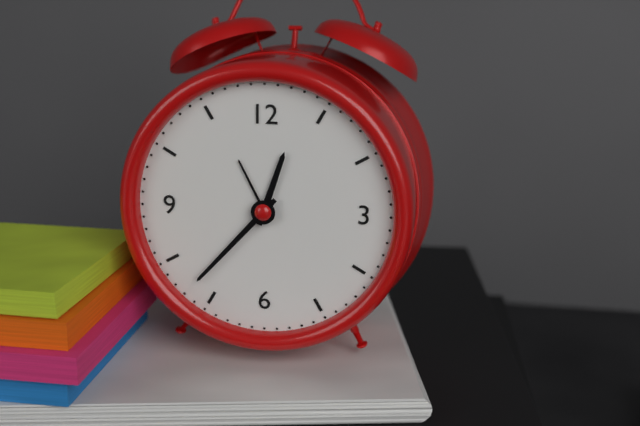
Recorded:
{"hour": 12, "minute": 37}
